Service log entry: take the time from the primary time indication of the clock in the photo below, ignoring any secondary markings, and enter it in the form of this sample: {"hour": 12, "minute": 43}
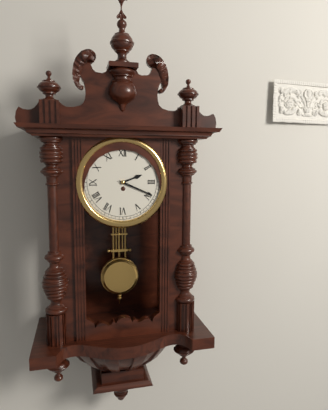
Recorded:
{"hour": 2, "minute": 19}
